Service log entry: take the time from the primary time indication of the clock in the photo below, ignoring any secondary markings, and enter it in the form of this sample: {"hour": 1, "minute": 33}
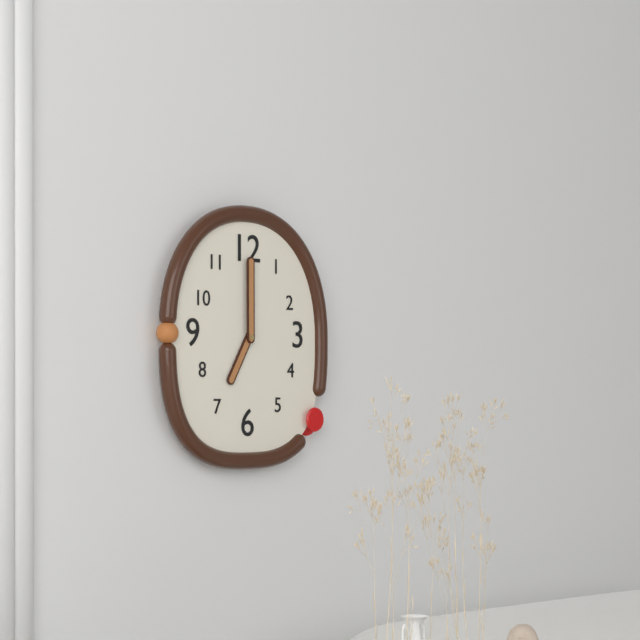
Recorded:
{"hour": 7, "minute": 0}
